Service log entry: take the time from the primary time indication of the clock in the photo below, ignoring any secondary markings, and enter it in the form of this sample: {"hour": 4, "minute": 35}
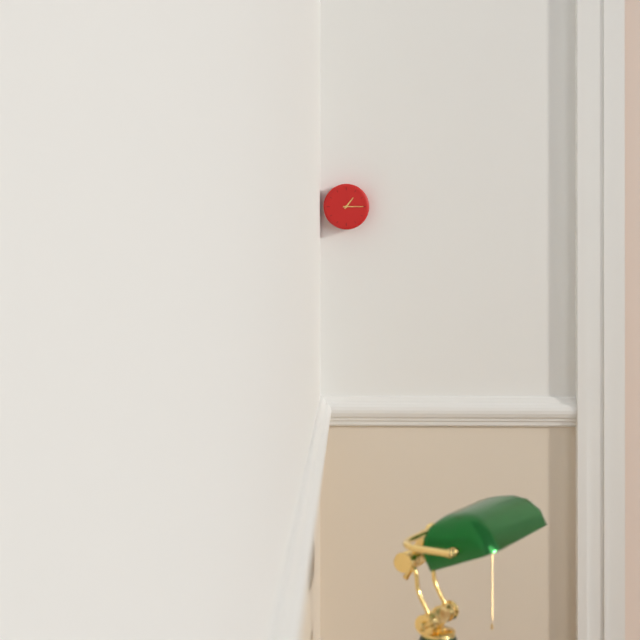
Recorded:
{"hour": 1, "minute": 15}
